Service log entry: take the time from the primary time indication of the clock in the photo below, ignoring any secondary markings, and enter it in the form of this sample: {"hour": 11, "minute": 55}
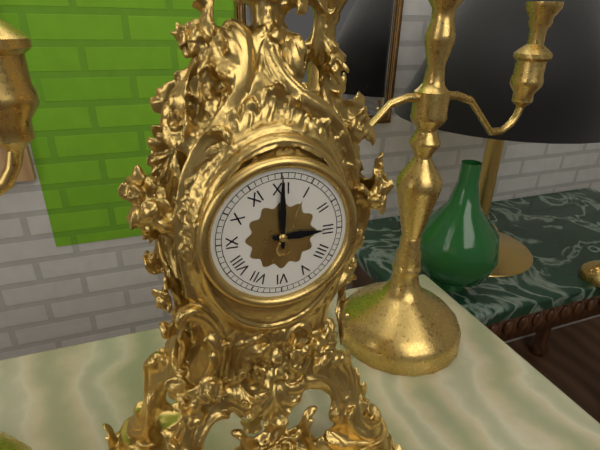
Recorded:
{"hour": 3, "minute": 0}
